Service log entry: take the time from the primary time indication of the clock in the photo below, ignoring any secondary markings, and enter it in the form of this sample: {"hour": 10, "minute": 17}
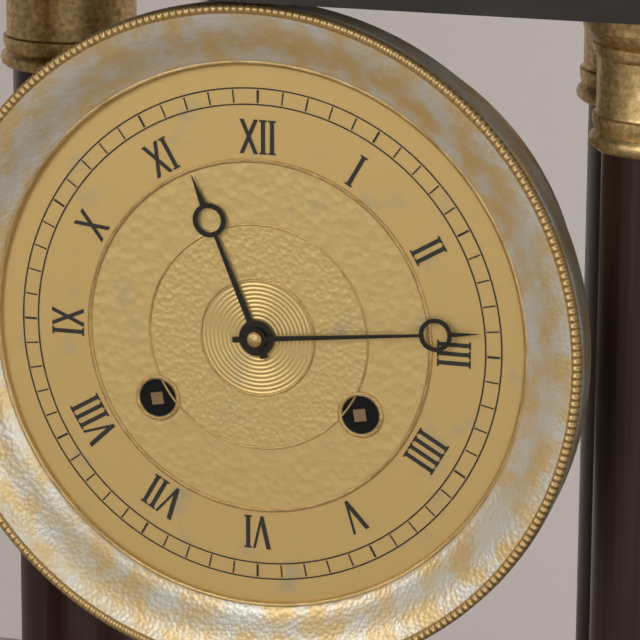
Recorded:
{"hour": 11, "minute": 14}
